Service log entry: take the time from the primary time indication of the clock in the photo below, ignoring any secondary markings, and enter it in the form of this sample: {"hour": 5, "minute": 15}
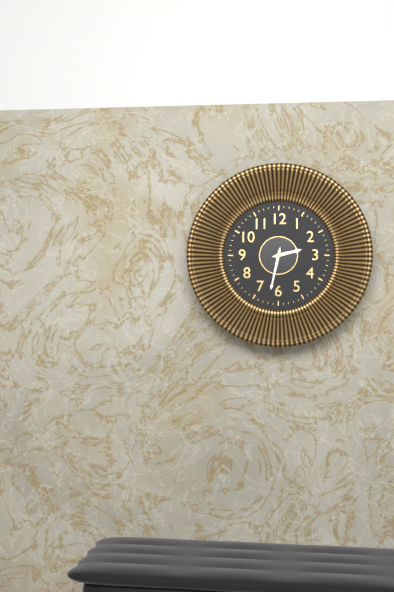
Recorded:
{"hour": 2, "minute": 32}
